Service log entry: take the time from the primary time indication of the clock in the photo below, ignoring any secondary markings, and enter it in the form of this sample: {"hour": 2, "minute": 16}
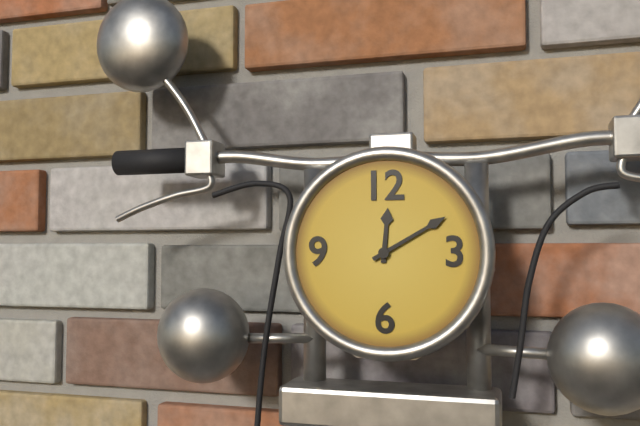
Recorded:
{"hour": 12, "minute": 10}
